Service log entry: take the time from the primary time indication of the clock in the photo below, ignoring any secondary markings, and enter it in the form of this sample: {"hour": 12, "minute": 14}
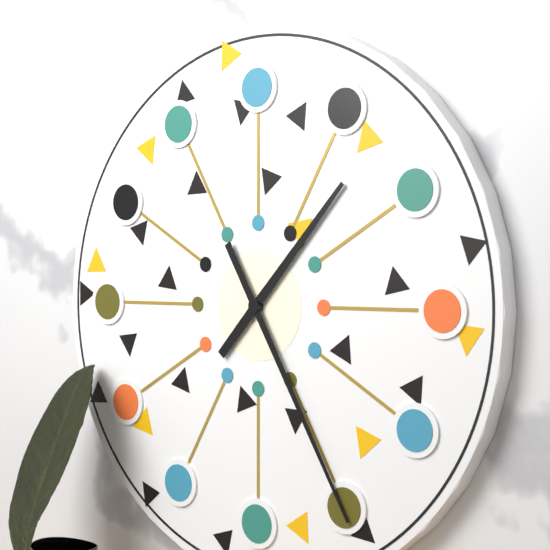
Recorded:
{"hour": 1, "minute": 25}
